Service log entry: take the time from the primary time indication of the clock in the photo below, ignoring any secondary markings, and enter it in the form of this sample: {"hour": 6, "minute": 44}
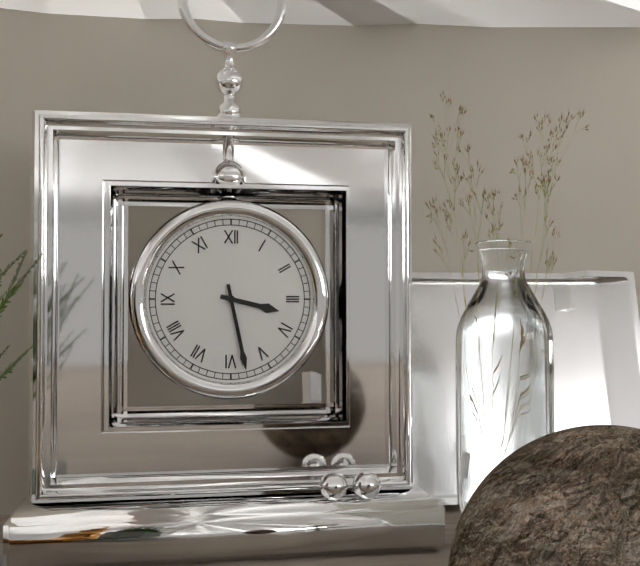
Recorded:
{"hour": 3, "minute": 28}
